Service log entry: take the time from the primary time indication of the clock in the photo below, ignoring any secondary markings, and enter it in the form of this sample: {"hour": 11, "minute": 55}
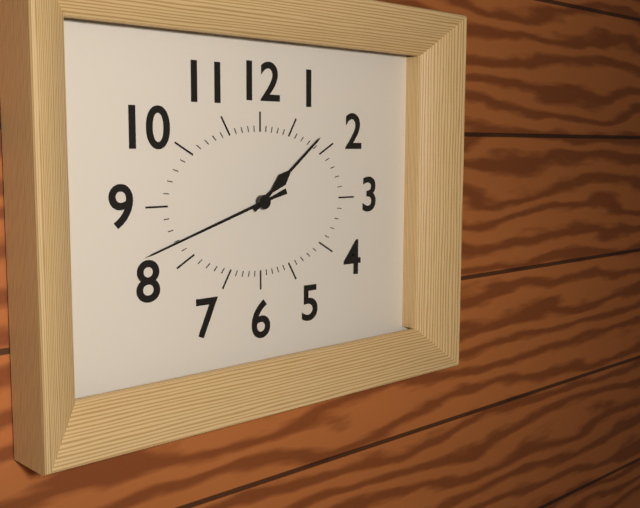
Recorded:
{"hour": 1, "minute": 42}
